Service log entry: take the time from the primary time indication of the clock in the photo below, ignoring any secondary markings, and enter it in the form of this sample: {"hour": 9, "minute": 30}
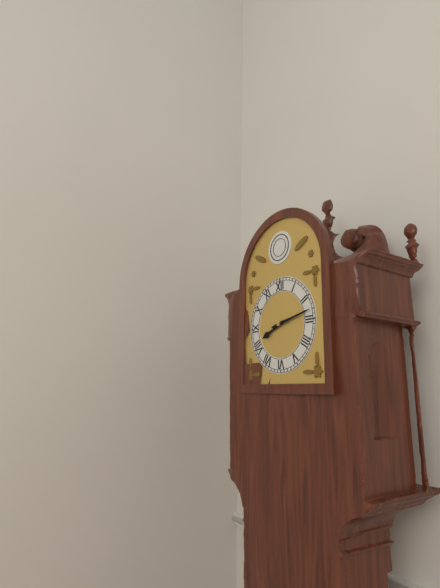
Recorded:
{"hour": 8, "minute": 13}
